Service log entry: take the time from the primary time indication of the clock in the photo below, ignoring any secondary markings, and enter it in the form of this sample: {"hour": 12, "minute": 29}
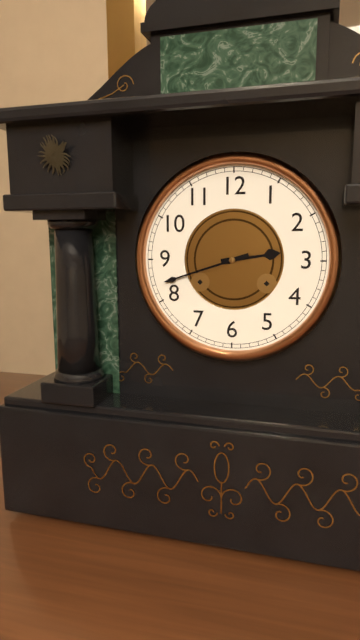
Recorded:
{"hour": 2, "minute": 42}
